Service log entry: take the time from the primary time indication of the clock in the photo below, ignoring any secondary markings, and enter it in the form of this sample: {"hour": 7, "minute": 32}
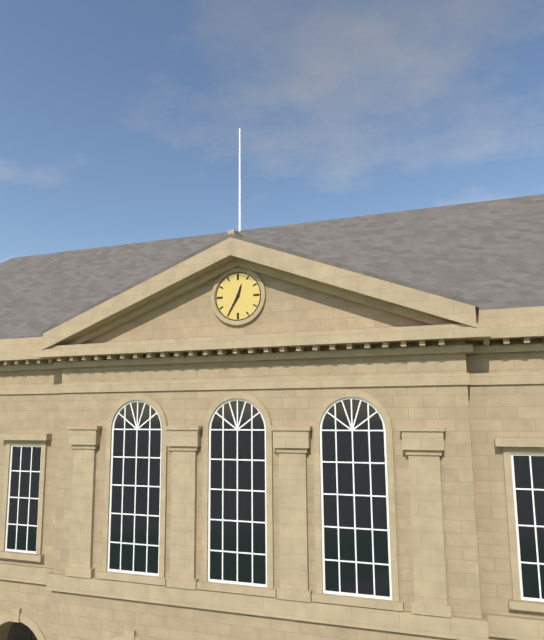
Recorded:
{"hour": 12, "minute": 35}
